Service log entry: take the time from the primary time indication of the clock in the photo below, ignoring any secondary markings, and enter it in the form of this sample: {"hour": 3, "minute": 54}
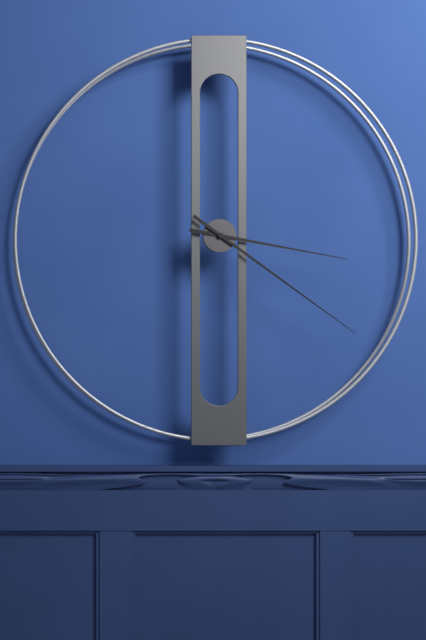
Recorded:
{"hour": 3, "minute": 21}
